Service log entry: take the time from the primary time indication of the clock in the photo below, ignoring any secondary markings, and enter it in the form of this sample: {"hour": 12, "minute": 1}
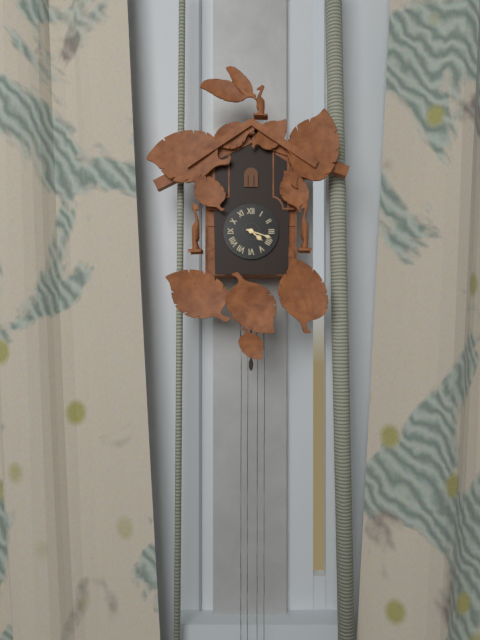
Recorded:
{"hour": 4, "minute": 18}
